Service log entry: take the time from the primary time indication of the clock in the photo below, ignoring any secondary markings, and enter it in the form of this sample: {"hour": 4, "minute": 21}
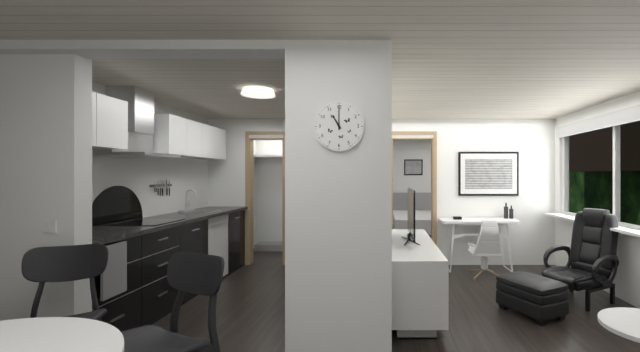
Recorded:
{"hour": 11, "minute": 0}
